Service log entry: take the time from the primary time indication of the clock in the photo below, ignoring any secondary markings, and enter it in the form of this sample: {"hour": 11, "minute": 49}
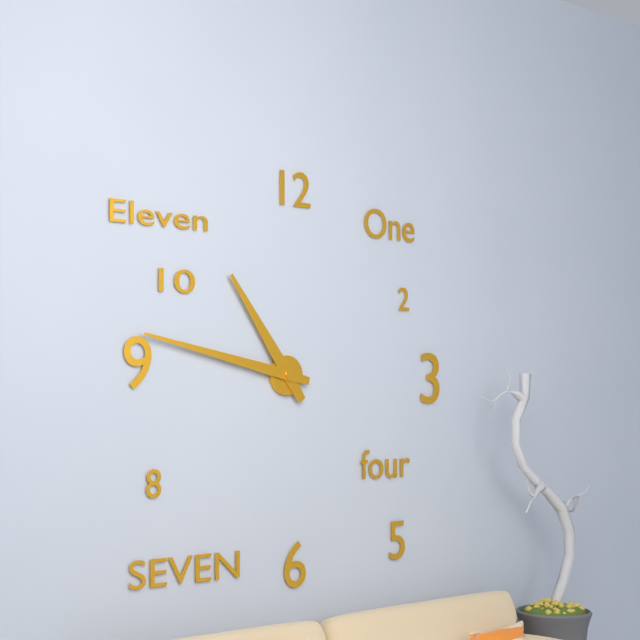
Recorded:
{"hour": 10, "minute": 47}
